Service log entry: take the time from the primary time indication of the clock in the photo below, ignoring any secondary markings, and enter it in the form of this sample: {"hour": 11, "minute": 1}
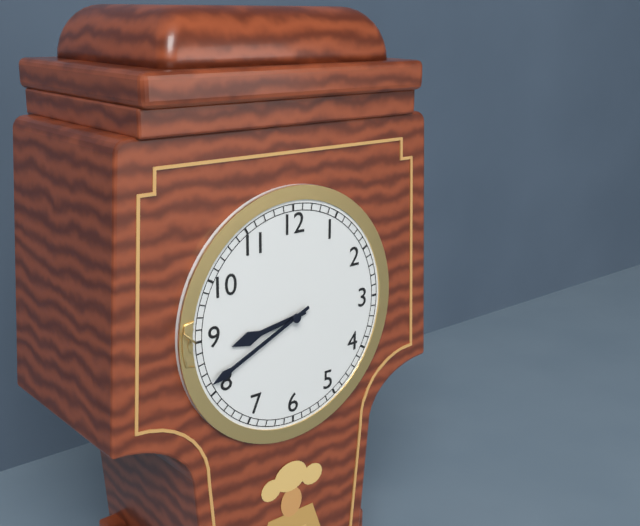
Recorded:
{"hour": 8, "minute": 41}
